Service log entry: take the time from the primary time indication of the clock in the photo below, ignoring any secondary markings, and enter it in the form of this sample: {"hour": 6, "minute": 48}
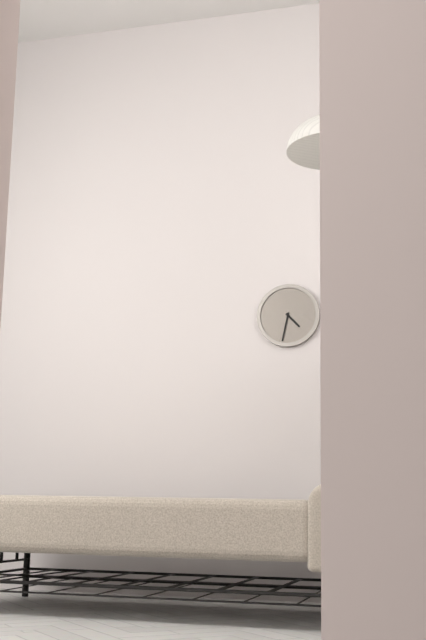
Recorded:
{"hour": 4, "minute": 32}
